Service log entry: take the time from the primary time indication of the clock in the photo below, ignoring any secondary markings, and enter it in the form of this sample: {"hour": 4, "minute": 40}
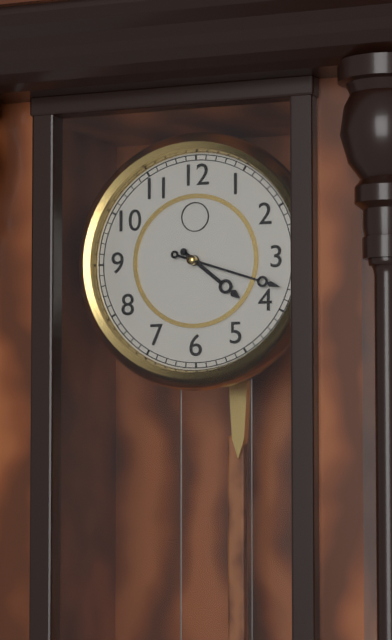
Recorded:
{"hour": 4, "minute": 18}
